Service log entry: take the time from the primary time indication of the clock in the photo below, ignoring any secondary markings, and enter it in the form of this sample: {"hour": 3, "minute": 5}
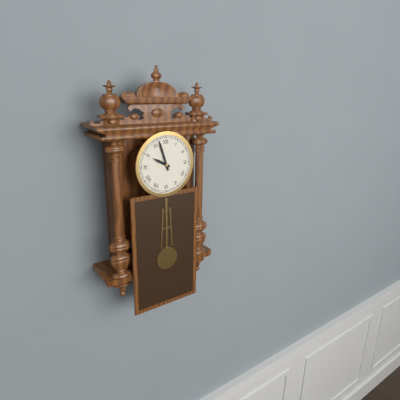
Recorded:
{"hour": 9, "minute": 57}
